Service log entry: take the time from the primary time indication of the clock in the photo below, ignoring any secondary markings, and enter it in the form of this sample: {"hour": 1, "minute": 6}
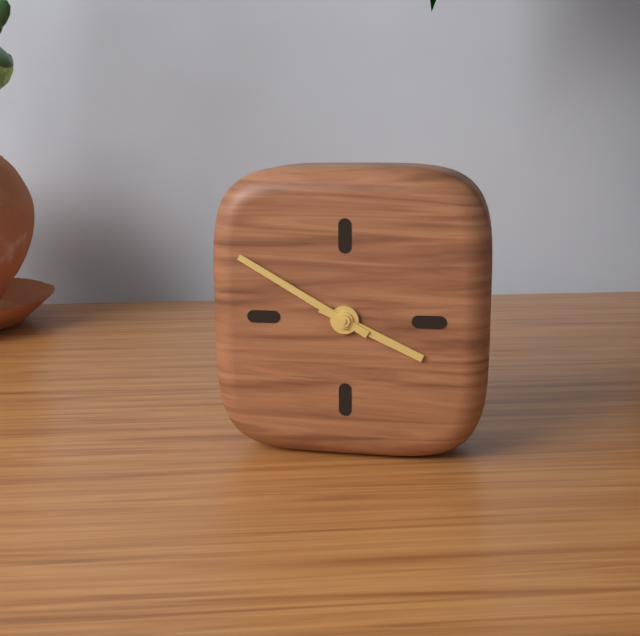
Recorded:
{"hour": 3, "minute": 50}
